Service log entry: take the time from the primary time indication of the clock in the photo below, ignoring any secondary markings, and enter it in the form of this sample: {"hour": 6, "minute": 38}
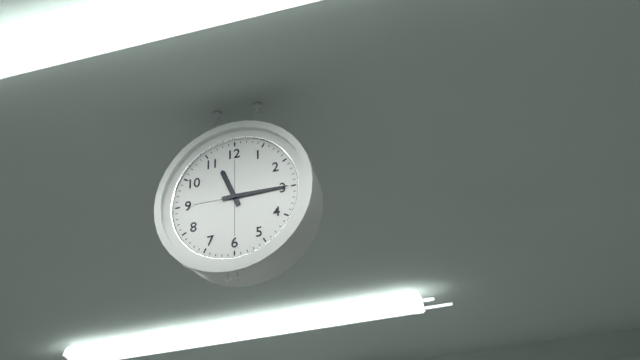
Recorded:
{"hour": 11, "minute": 15}
